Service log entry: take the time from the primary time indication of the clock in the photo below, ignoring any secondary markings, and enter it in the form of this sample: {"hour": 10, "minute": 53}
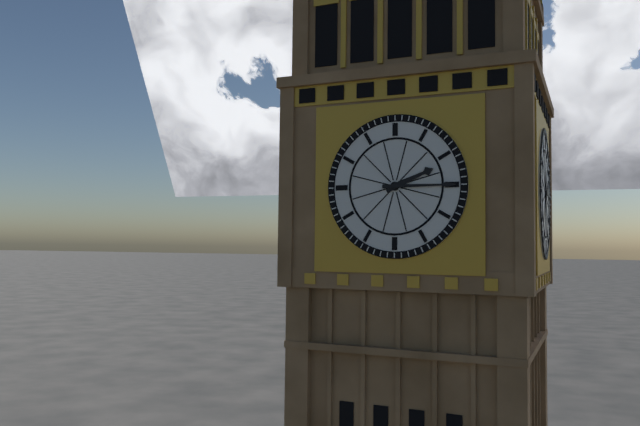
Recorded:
{"hour": 2, "minute": 15}
